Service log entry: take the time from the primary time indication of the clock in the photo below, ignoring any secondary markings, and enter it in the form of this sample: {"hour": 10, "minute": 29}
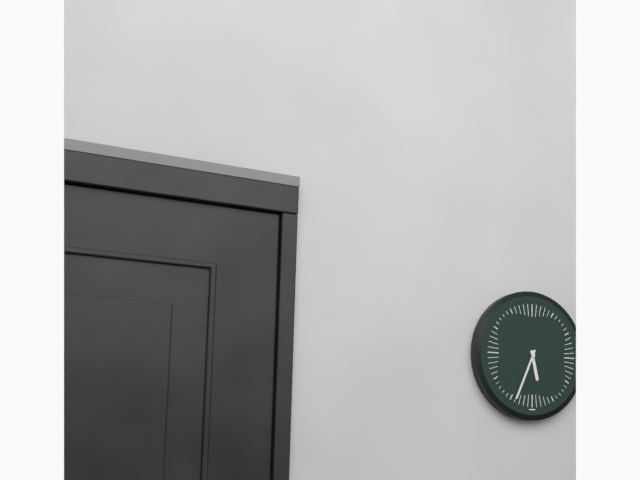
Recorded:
{"hour": 5, "minute": 34}
